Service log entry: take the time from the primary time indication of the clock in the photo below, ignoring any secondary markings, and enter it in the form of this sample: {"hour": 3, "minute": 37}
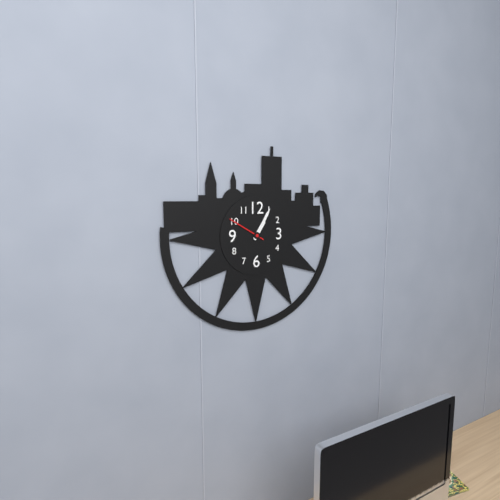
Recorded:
{"hour": 1, "minute": 5}
